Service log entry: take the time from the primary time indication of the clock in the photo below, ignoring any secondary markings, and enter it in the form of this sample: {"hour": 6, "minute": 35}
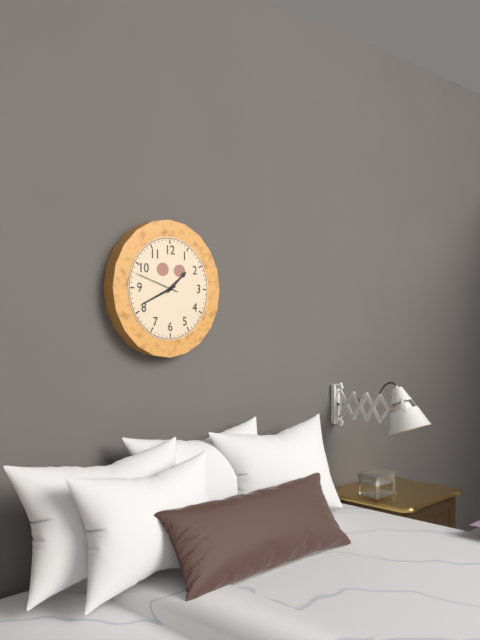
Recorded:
{"hour": 1, "minute": 41}
